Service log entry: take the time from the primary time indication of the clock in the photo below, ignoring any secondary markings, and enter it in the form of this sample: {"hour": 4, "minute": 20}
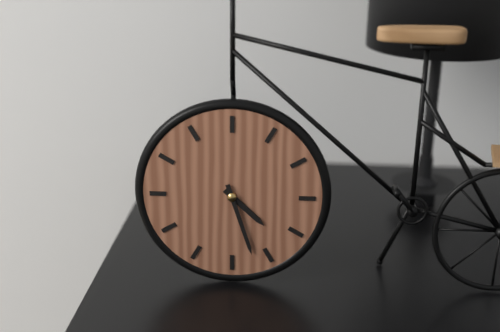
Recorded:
{"hour": 4, "minute": 27}
